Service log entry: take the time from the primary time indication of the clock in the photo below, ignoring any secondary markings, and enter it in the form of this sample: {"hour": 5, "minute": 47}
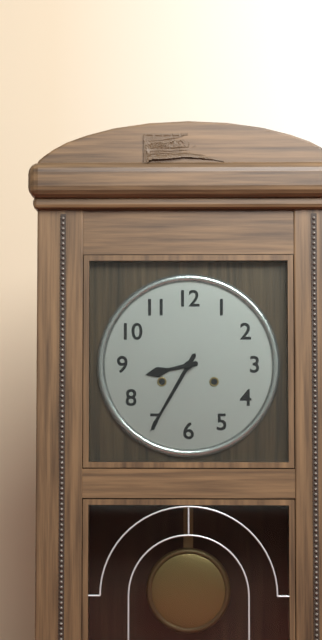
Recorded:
{"hour": 8, "minute": 35}
